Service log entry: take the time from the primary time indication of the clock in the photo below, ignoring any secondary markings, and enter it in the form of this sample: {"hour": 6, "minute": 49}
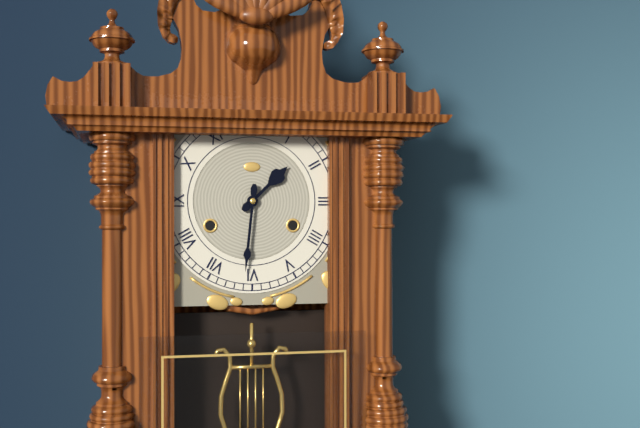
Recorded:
{"hour": 1, "minute": 31}
